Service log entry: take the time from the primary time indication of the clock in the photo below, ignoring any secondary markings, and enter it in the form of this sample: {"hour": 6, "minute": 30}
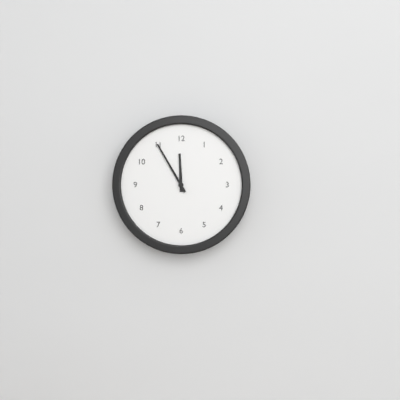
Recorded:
{"hour": 11, "minute": 55}
